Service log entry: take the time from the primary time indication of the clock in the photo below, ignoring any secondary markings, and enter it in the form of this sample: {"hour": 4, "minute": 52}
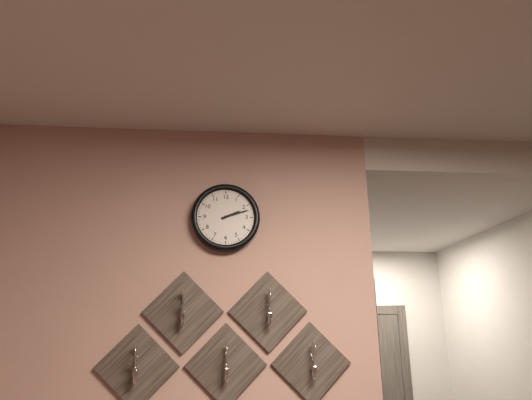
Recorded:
{"hour": 2, "minute": 12}
